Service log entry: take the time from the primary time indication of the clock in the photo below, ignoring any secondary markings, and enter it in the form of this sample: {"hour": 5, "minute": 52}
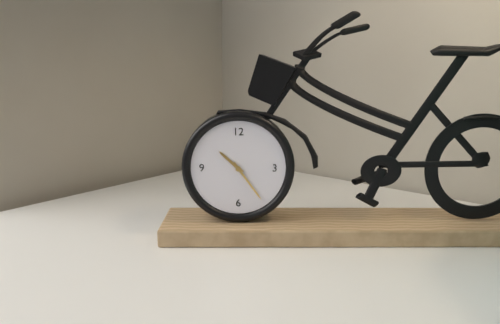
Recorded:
{"hour": 10, "minute": 24}
